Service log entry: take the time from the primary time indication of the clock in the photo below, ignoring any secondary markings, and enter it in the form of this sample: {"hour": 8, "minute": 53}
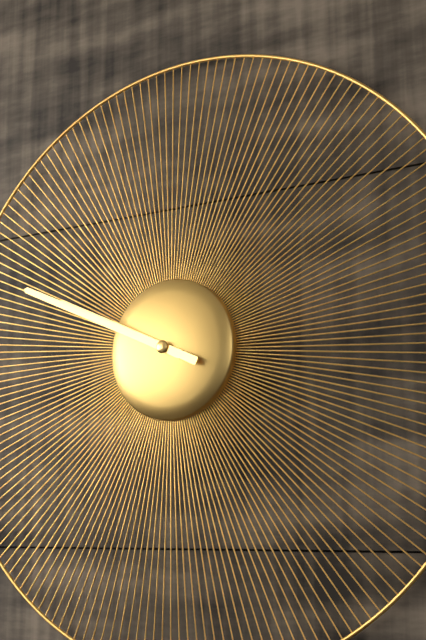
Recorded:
{"hour": 9, "minute": 49}
